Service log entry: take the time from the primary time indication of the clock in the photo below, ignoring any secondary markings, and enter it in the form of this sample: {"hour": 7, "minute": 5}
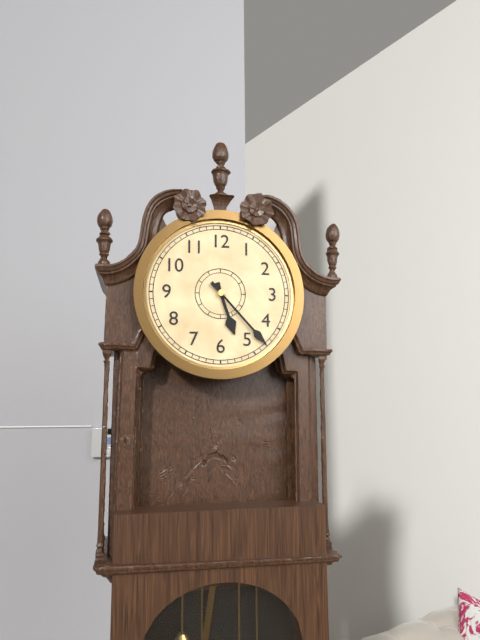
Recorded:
{"hour": 5, "minute": 23}
